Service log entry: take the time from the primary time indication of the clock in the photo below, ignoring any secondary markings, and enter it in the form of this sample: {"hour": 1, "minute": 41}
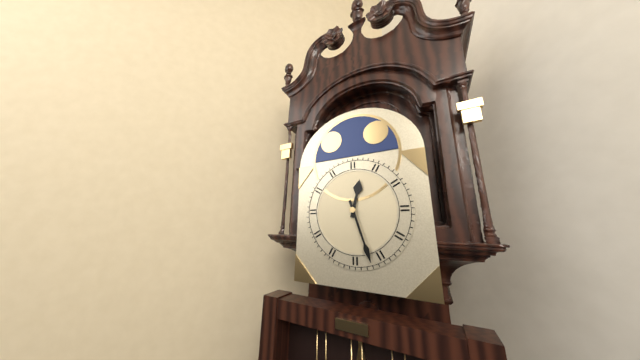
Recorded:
{"hour": 12, "minute": 27}
